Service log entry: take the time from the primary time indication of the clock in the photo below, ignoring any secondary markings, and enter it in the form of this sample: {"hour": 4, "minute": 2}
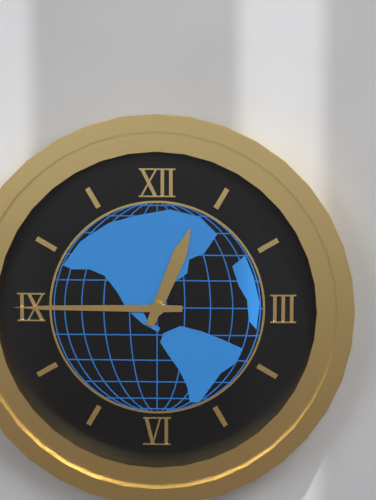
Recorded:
{"hour": 12, "minute": 45}
